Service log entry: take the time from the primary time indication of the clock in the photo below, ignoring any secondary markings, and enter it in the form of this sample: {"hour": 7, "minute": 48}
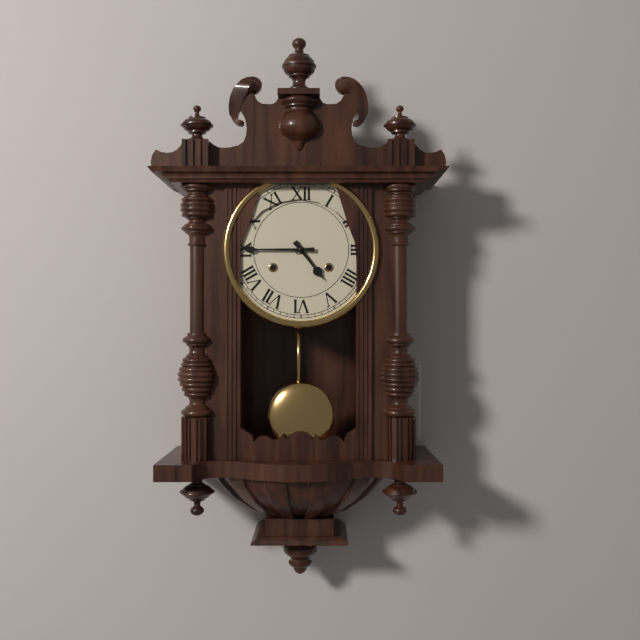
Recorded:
{"hour": 4, "minute": 45}
